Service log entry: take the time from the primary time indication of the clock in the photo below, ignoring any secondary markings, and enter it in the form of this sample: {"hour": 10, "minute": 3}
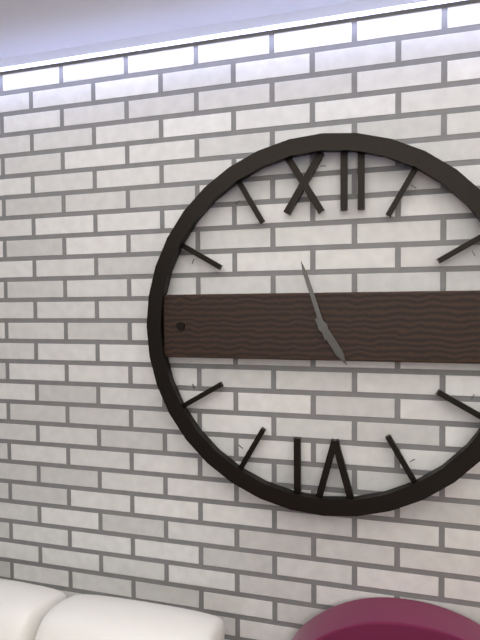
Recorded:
{"hour": 4, "minute": 57}
